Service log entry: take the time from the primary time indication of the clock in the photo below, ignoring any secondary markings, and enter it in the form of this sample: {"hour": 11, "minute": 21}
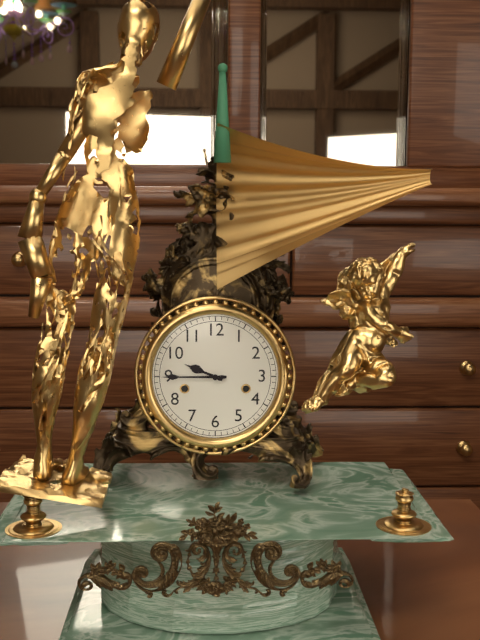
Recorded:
{"hour": 9, "minute": 45}
